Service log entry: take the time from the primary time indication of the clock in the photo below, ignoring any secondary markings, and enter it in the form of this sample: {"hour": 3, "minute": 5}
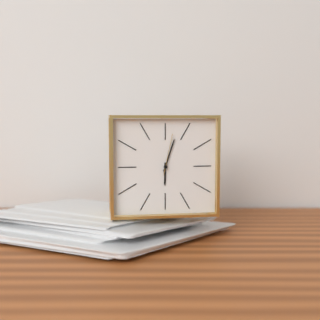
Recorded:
{"hour": 6, "minute": 3}
